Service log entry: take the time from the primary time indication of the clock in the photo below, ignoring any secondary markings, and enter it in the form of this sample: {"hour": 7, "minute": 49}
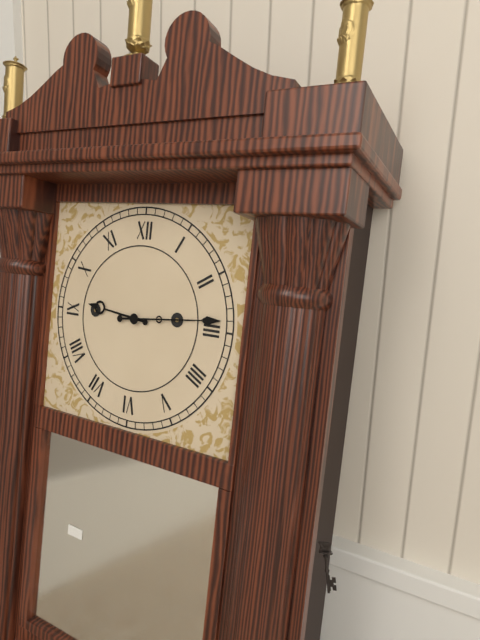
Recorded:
{"hour": 9, "minute": 14}
